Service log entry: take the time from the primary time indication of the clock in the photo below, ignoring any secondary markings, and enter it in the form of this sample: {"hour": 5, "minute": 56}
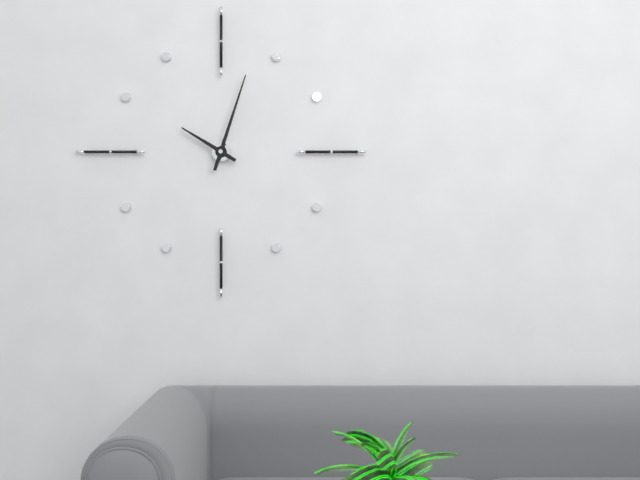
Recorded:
{"hour": 10, "minute": 3}
